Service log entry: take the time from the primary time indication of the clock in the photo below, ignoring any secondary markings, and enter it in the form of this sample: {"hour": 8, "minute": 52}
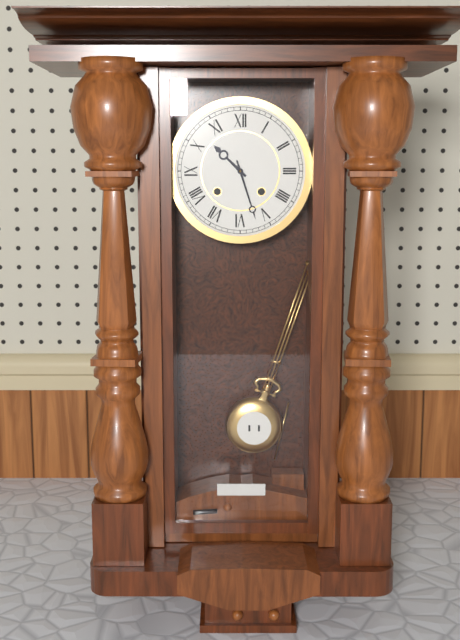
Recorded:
{"hour": 10, "minute": 27}
